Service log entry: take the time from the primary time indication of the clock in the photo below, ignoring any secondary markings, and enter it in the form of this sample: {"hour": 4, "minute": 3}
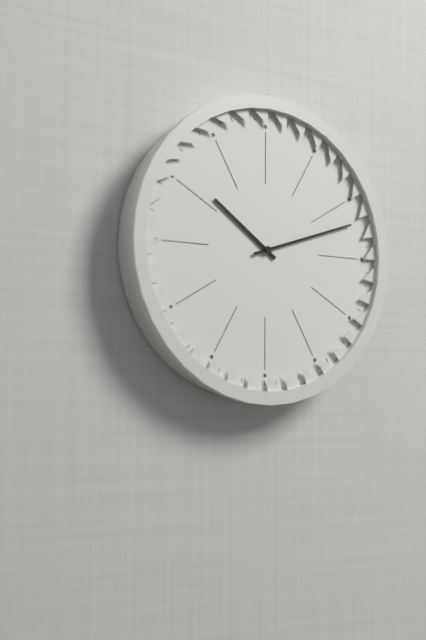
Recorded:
{"hour": 10, "minute": 12}
